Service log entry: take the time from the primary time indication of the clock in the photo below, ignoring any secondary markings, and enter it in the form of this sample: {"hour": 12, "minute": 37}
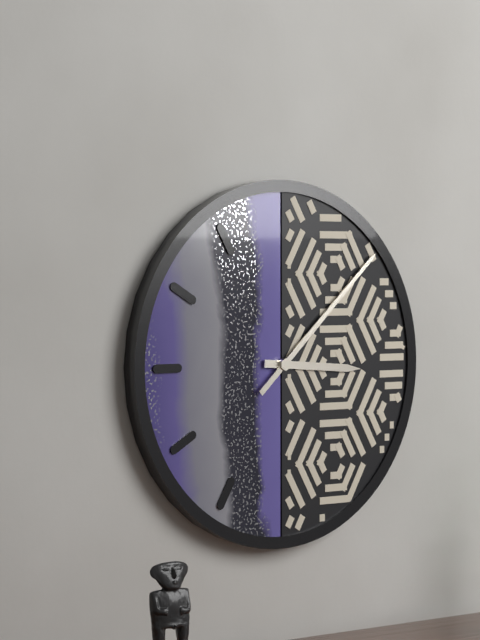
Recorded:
{"hour": 3, "minute": 8}
